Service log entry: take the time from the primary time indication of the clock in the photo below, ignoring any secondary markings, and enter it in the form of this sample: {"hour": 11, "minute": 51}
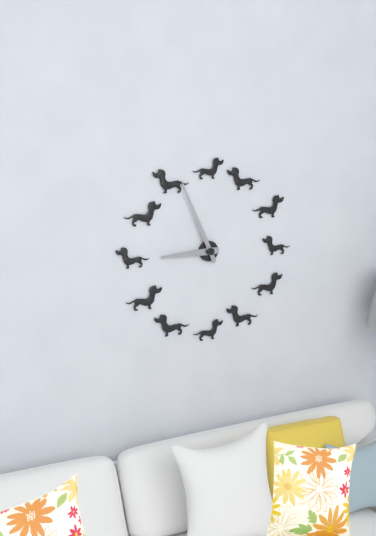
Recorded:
{"hour": 8, "minute": 56}
